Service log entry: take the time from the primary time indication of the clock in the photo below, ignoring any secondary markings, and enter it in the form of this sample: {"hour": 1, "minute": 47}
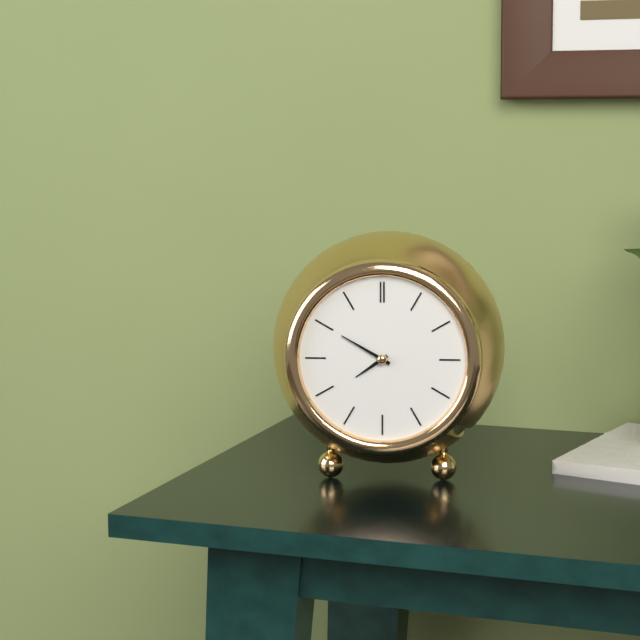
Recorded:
{"hour": 7, "minute": 50}
